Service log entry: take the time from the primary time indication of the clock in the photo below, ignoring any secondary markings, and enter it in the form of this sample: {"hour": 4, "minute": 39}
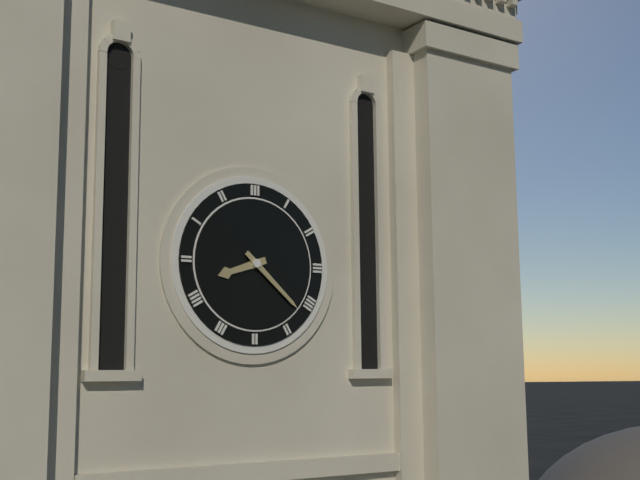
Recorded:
{"hour": 8, "minute": 22}
